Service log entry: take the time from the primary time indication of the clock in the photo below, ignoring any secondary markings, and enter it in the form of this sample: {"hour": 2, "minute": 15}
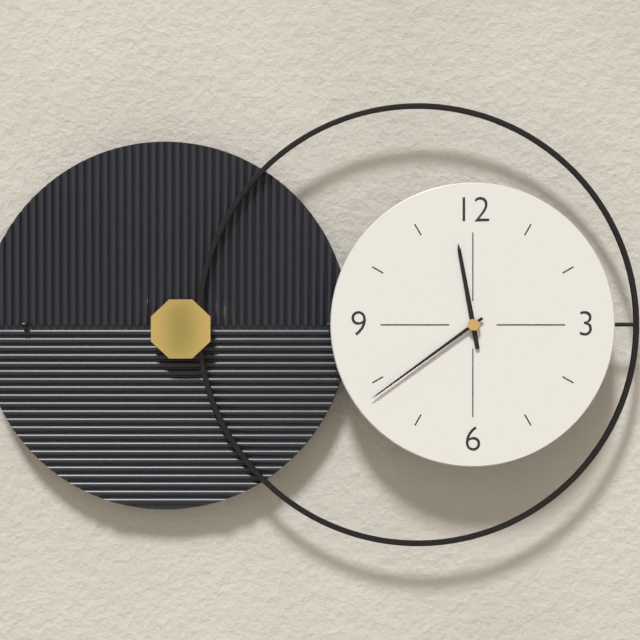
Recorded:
{"hour": 11, "minute": 39}
